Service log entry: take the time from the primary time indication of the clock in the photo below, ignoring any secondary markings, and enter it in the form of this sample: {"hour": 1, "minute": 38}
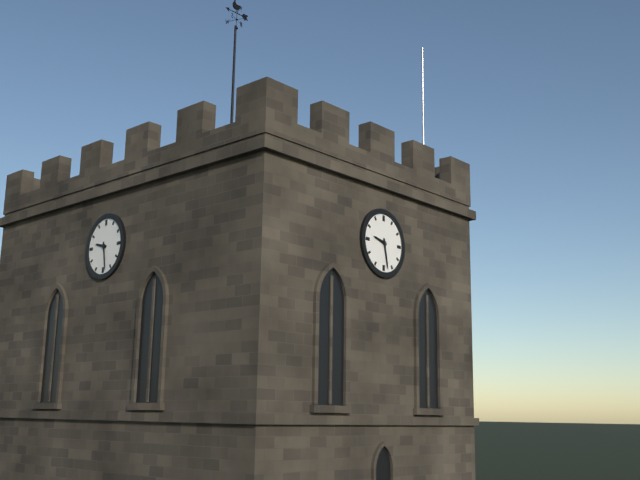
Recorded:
{"hour": 9, "minute": 28}
